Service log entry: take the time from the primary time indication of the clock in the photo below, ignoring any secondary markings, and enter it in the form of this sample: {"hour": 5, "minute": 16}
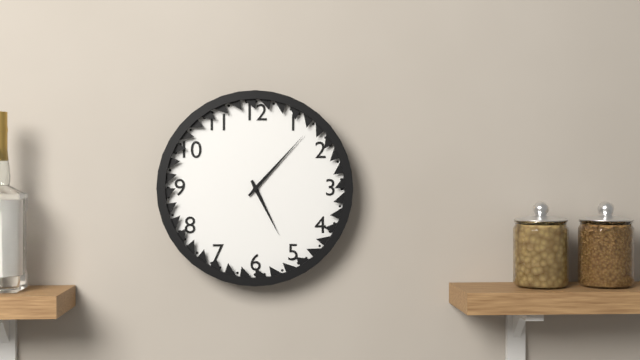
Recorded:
{"hour": 5, "minute": 7}
